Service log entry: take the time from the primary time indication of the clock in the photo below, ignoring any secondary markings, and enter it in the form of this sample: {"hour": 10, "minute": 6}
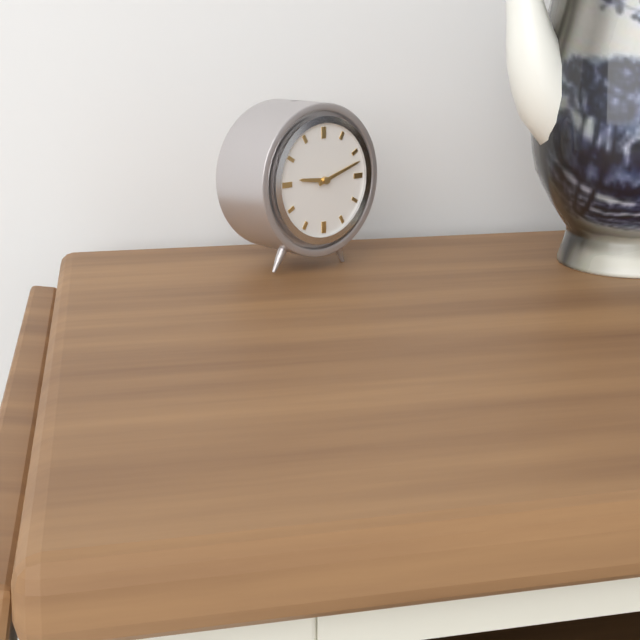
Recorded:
{"hour": 9, "minute": 12}
